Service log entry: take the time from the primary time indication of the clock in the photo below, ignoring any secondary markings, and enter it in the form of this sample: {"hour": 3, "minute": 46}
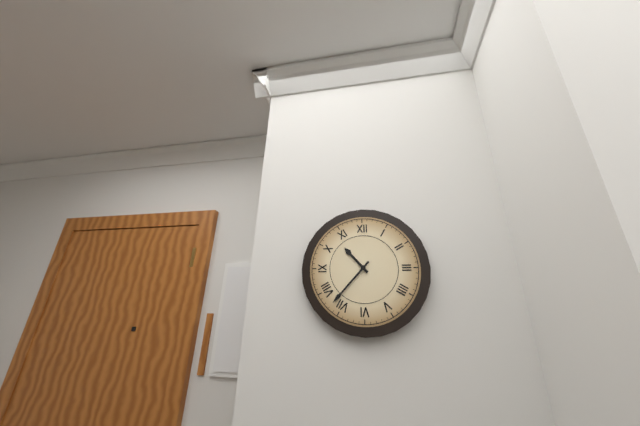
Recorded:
{"hour": 10, "minute": 37}
